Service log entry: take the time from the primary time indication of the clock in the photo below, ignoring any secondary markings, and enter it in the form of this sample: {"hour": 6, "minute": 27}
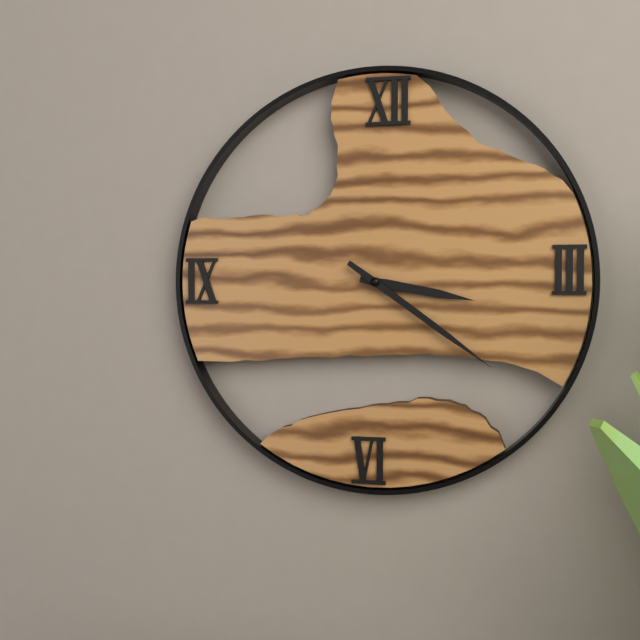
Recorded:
{"hour": 3, "minute": 21}
